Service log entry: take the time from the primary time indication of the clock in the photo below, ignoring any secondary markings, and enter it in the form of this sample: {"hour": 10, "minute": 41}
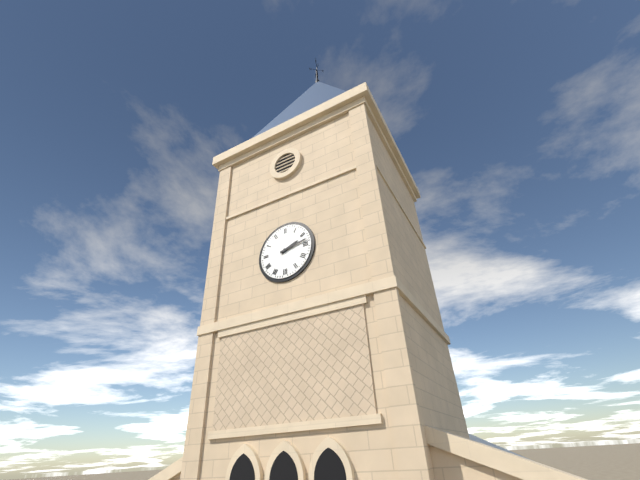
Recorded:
{"hour": 2, "minute": 13}
